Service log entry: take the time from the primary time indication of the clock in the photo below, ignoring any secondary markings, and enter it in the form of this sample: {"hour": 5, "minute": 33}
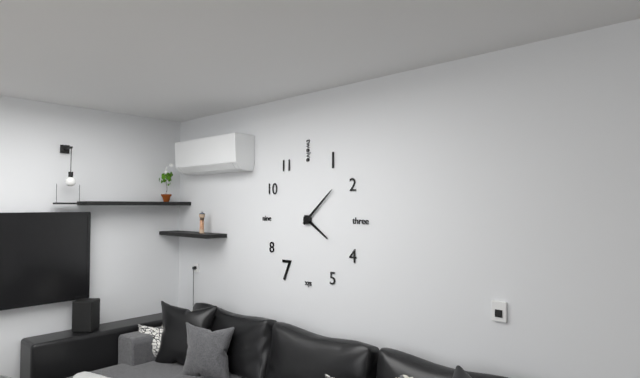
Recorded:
{"hour": 4, "minute": 8}
